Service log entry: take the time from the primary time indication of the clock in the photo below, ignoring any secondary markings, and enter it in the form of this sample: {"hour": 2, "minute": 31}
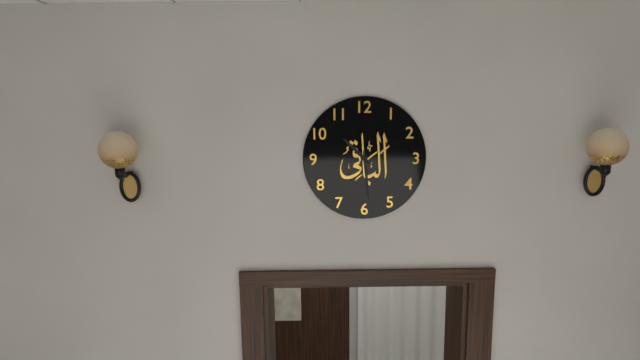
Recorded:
{"hour": 10, "minute": 29}
